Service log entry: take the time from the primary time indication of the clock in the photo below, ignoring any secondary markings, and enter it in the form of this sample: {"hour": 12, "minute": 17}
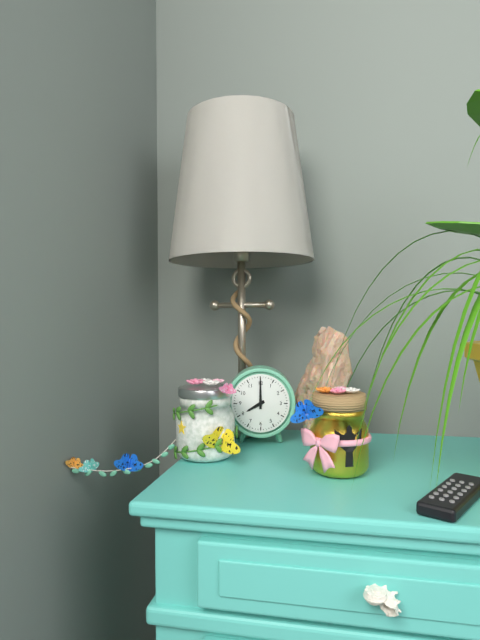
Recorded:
{"hour": 8, "minute": 0}
